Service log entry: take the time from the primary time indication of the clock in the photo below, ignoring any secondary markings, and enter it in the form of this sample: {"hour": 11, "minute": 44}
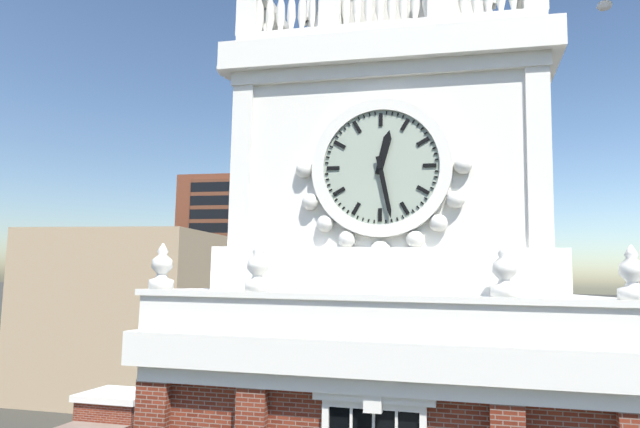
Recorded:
{"hour": 12, "minute": 28}
